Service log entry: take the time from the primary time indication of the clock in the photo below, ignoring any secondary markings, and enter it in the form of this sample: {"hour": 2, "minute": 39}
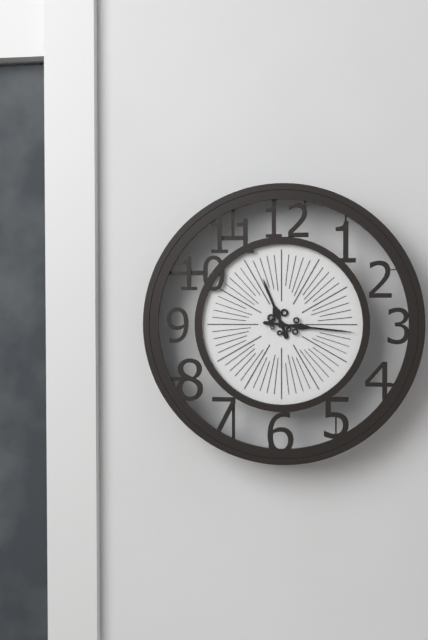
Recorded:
{"hour": 11, "minute": 16}
